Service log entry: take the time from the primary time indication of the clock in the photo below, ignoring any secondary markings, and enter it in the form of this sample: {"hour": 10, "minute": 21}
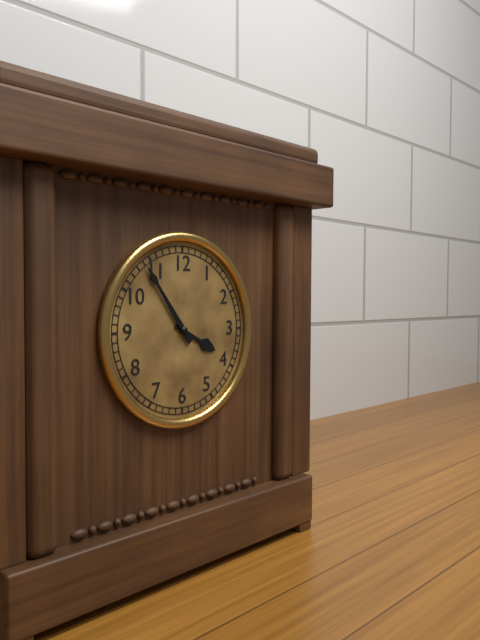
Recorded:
{"hour": 3, "minute": 54}
